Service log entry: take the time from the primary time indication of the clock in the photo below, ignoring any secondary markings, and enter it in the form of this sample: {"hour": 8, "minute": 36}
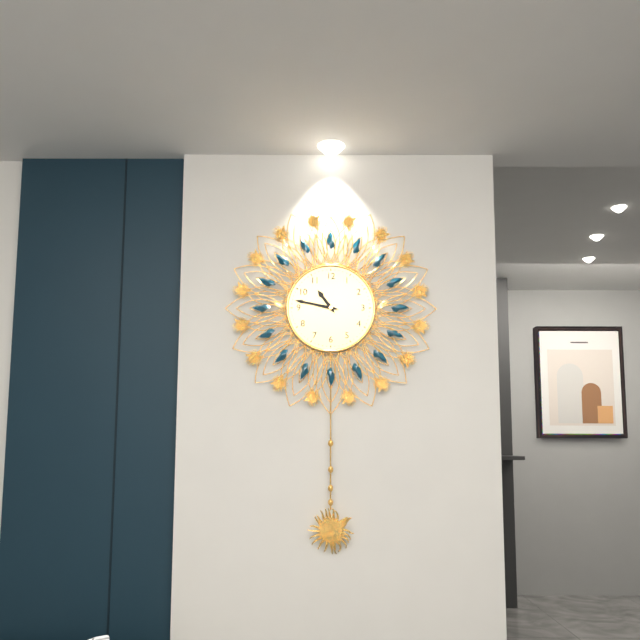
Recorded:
{"hour": 10, "minute": 47}
